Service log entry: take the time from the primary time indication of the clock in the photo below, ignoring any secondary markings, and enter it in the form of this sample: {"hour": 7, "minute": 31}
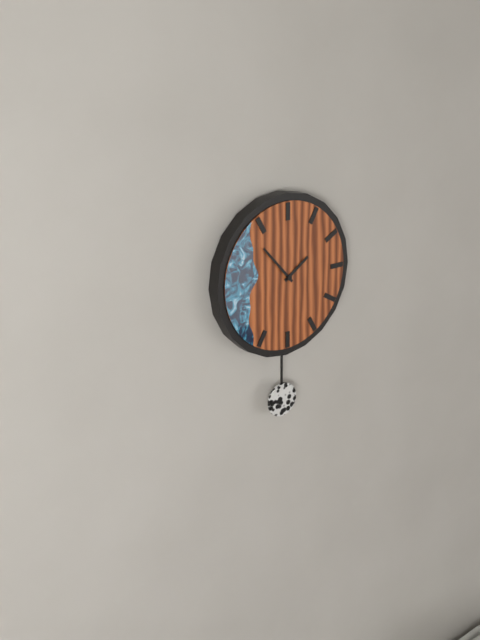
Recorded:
{"hour": 1, "minute": 53}
